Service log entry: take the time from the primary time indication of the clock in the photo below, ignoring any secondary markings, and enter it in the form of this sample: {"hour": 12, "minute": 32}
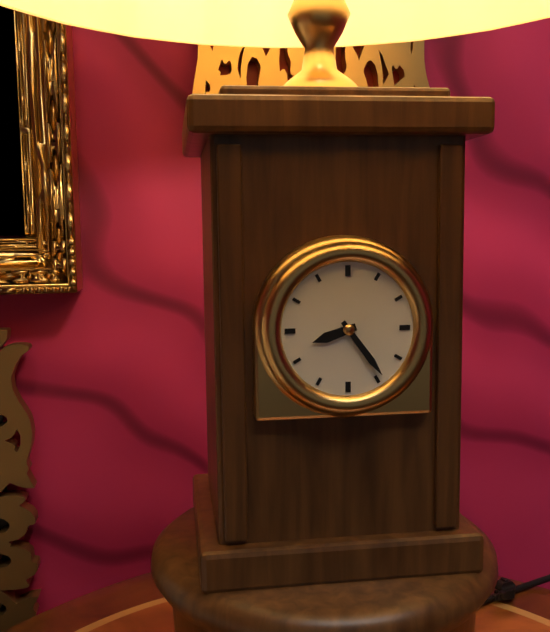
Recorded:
{"hour": 8, "minute": 24}
